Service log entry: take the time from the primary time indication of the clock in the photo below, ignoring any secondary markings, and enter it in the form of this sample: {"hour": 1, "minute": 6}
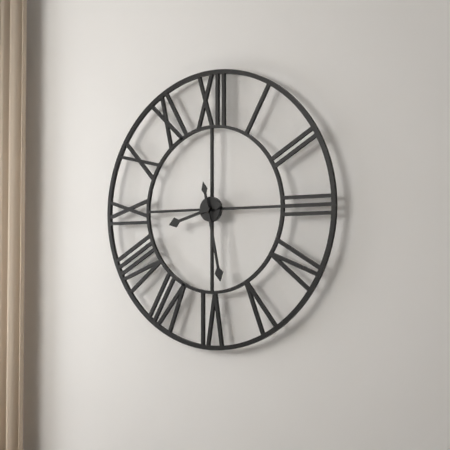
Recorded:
{"hour": 8, "minute": 28}
